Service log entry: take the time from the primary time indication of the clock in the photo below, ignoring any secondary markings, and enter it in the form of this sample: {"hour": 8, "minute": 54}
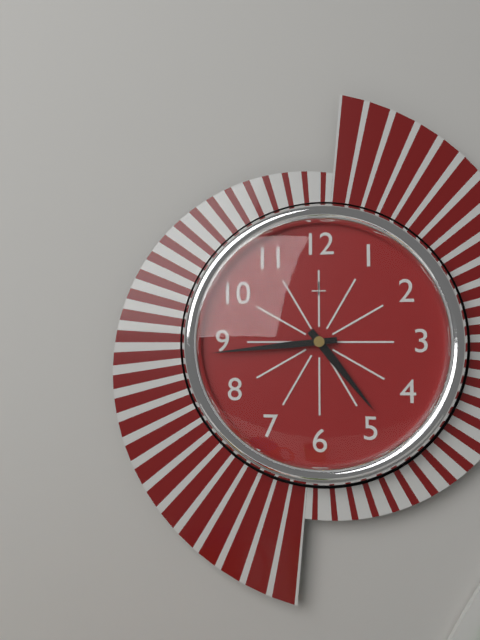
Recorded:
{"hour": 4, "minute": 44}
